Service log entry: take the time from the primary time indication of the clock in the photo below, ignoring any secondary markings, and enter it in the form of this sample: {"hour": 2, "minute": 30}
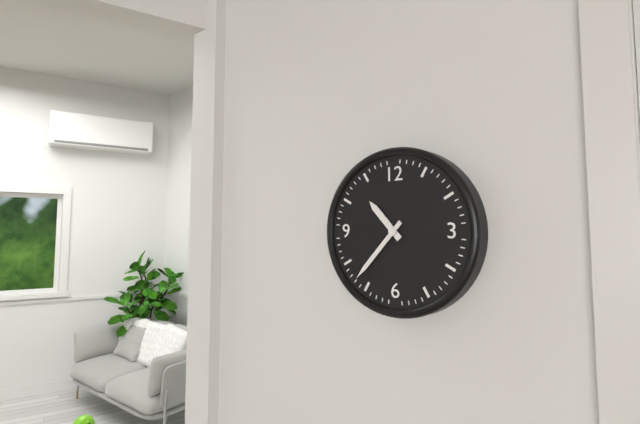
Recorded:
{"hour": 10, "minute": 37}
